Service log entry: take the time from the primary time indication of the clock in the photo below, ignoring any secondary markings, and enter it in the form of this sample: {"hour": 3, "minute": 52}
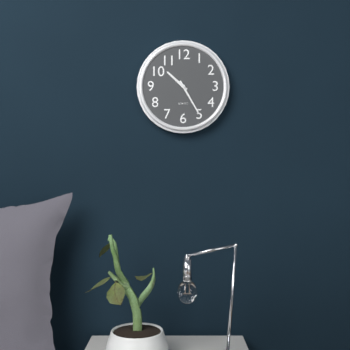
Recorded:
{"hour": 10, "minute": 25}
